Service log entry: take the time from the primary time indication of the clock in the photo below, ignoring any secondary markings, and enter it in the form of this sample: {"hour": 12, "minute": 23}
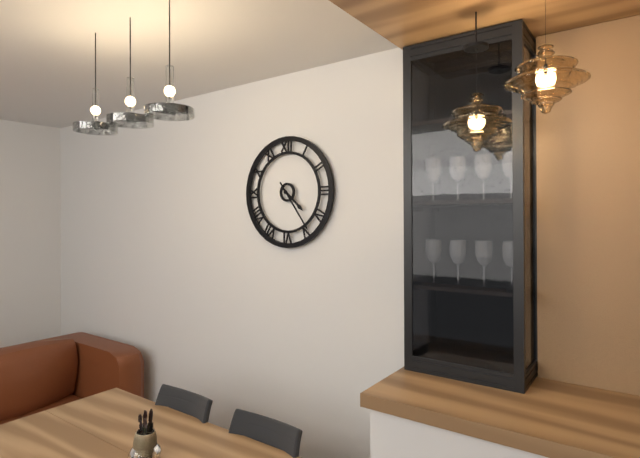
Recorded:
{"hour": 4, "minute": 24}
